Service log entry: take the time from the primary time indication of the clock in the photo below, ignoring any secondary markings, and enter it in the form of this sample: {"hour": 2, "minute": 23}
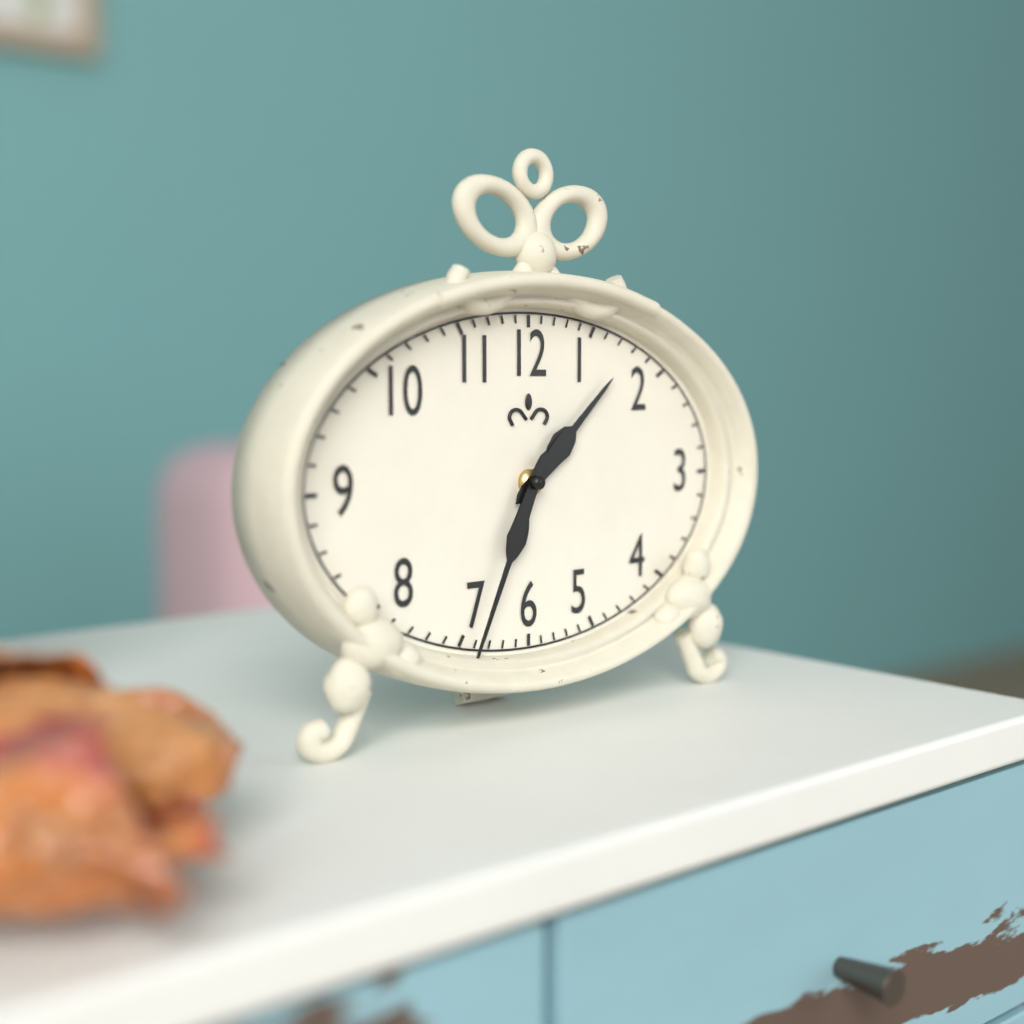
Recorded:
{"hour": 1, "minute": 34}
